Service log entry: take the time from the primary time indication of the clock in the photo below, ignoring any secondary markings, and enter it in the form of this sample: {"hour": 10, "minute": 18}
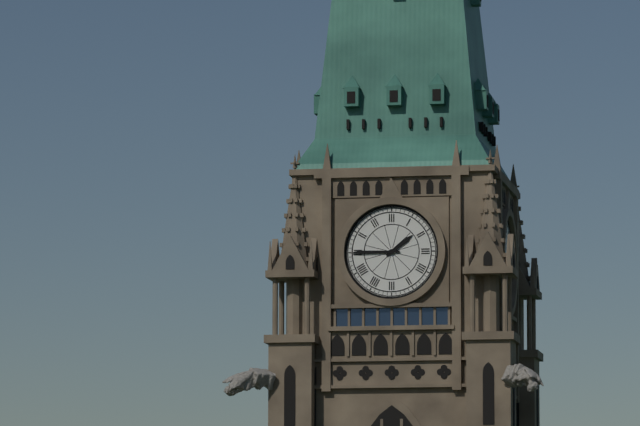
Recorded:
{"hour": 1, "minute": 45}
